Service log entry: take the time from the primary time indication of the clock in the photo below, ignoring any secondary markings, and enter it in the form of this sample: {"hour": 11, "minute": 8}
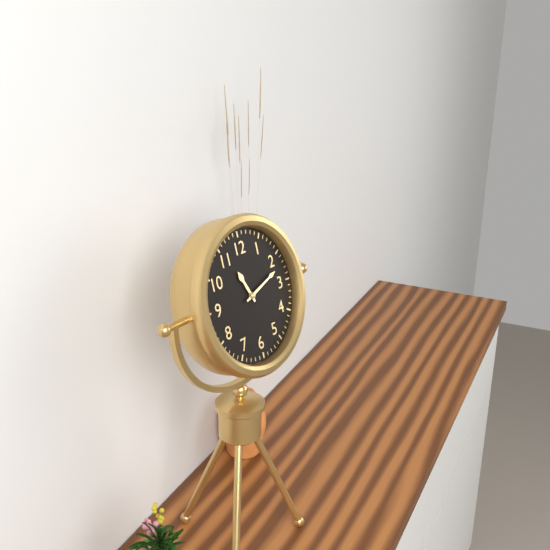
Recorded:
{"hour": 11, "minute": 12}
